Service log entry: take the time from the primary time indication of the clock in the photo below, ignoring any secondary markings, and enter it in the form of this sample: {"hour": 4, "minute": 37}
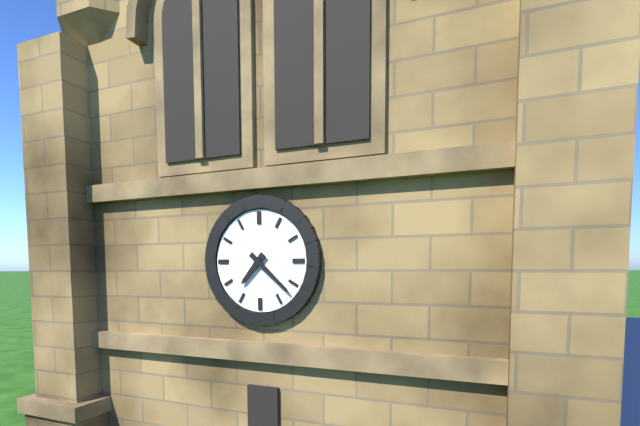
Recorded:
{"hour": 7, "minute": 22}
